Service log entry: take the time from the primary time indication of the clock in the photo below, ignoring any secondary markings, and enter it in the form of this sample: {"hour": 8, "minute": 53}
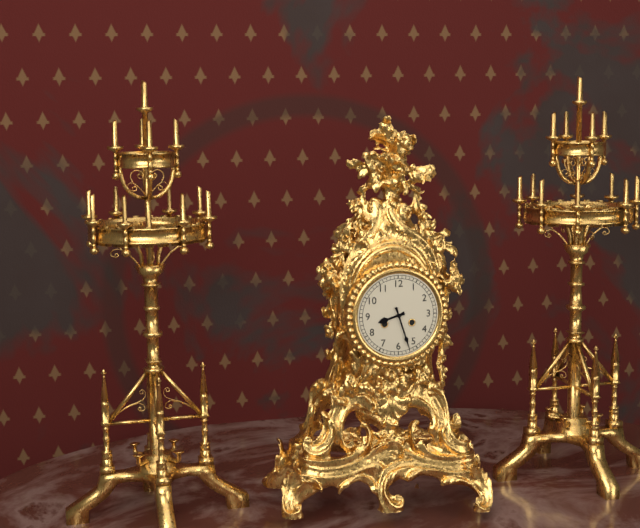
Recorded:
{"hour": 8, "minute": 27}
